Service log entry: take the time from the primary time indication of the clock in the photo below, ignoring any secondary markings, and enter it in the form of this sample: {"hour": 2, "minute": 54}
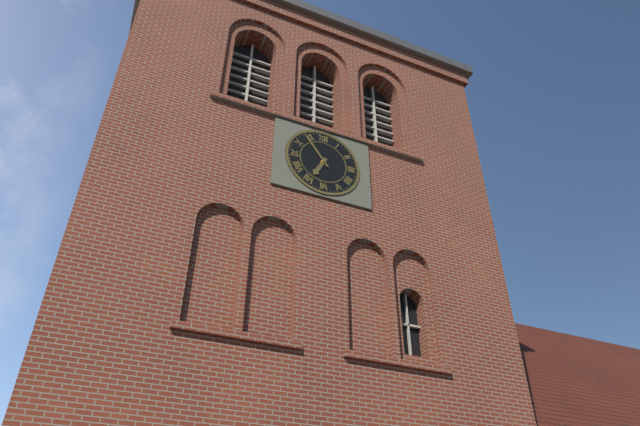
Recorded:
{"hour": 6, "minute": 54}
